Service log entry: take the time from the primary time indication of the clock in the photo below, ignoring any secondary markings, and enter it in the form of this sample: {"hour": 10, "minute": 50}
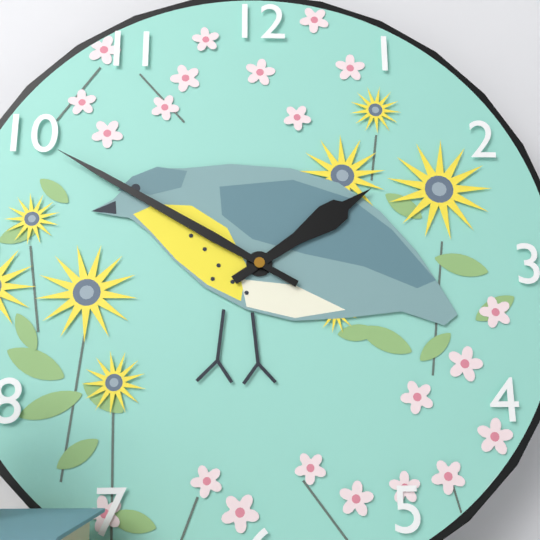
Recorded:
{"hour": 1, "minute": 50}
